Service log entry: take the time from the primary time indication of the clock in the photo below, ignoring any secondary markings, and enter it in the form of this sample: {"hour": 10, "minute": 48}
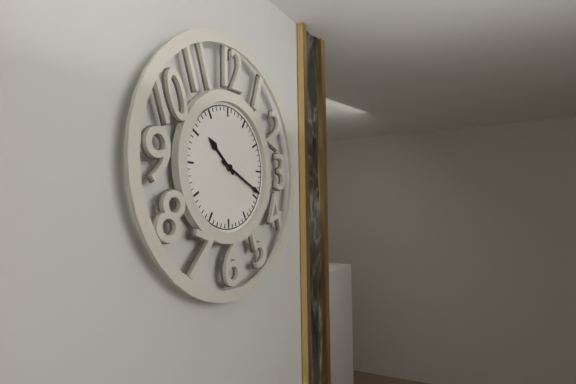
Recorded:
{"hour": 10, "minute": 19}
